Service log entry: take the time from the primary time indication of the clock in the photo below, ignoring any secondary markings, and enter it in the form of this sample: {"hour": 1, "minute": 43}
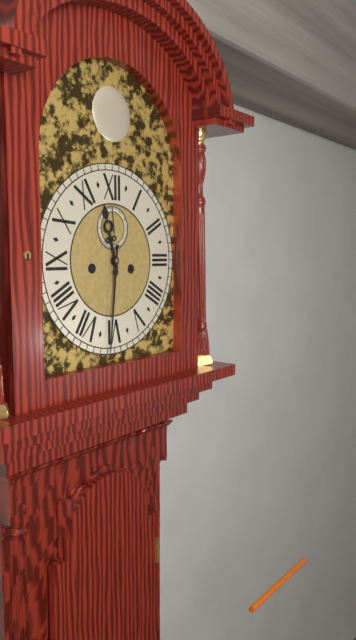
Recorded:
{"hour": 11, "minute": 31}
